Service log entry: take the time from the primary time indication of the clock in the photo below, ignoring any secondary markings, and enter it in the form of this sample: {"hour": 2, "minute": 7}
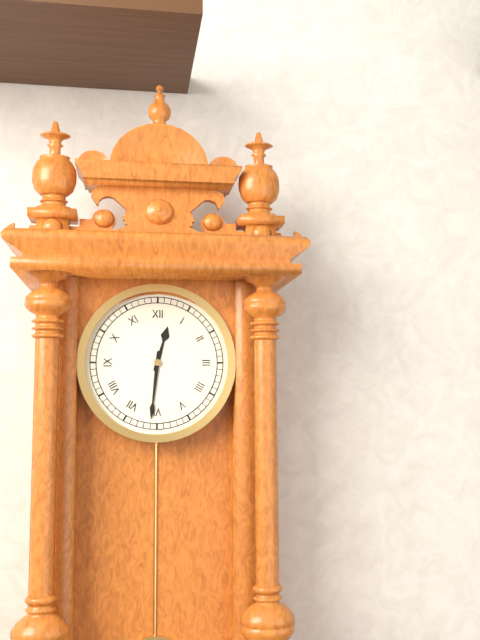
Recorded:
{"hour": 12, "minute": 31}
